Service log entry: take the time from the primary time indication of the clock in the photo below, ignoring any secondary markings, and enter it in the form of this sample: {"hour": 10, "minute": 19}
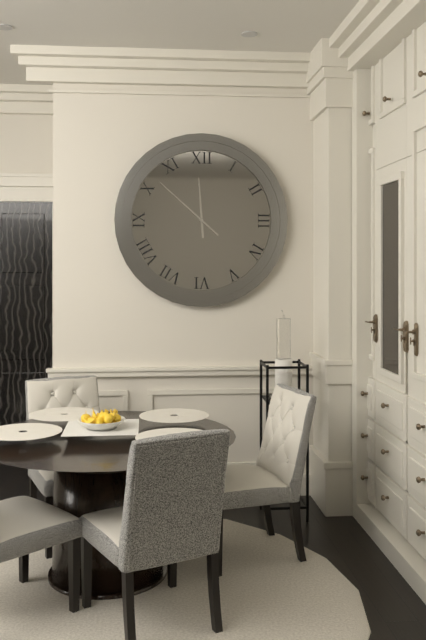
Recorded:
{"hour": 11, "minute": 52}
